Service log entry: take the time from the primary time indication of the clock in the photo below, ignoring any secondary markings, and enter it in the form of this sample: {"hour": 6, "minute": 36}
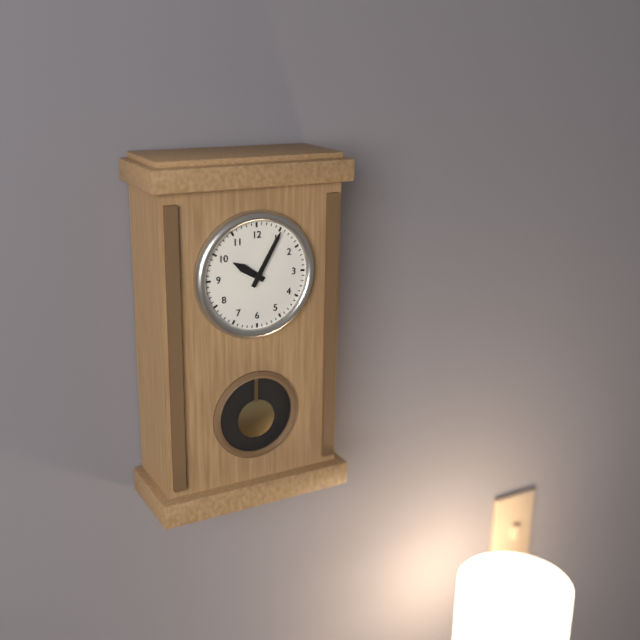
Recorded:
{"hour": 10, "minute": 5}
